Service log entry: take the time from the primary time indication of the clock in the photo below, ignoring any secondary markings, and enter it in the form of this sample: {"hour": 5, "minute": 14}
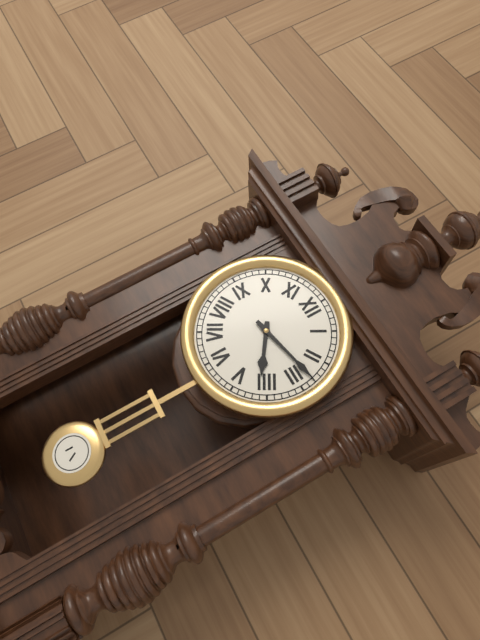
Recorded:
{"hour": 4, "minute": 13}
